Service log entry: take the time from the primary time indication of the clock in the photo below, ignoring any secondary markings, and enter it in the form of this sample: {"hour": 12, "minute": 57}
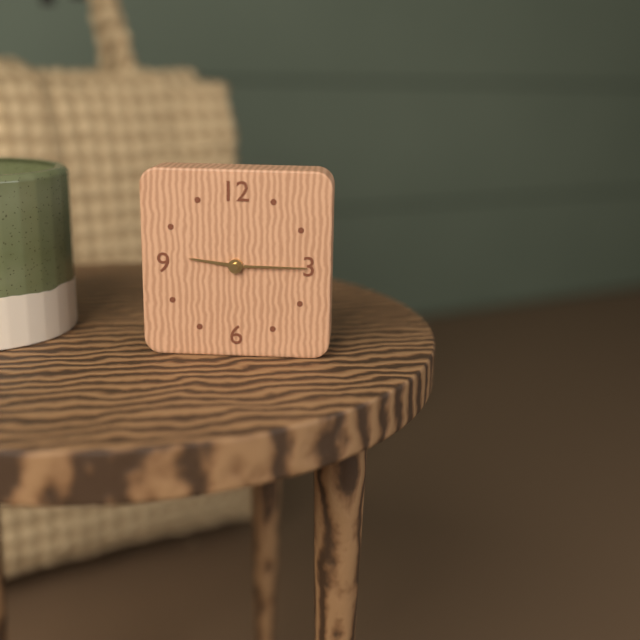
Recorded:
{"hour": 9, "minute": 15}
